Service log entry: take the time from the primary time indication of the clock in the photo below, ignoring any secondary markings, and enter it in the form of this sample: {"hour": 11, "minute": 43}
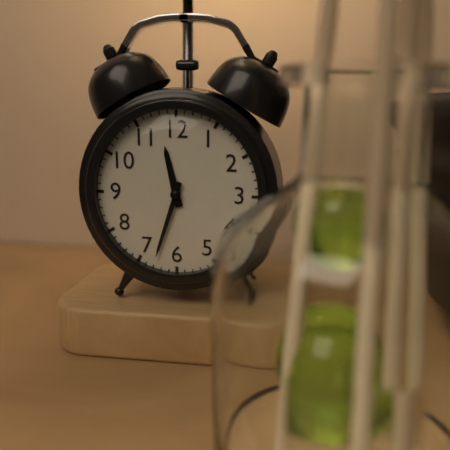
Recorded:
{"hour": 11, "minute": 33}
